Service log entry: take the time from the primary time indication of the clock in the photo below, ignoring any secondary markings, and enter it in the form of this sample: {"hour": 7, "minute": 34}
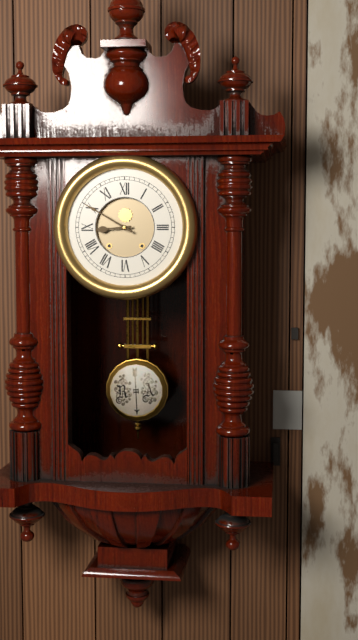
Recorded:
{"hour": 8, "minute": 50}
